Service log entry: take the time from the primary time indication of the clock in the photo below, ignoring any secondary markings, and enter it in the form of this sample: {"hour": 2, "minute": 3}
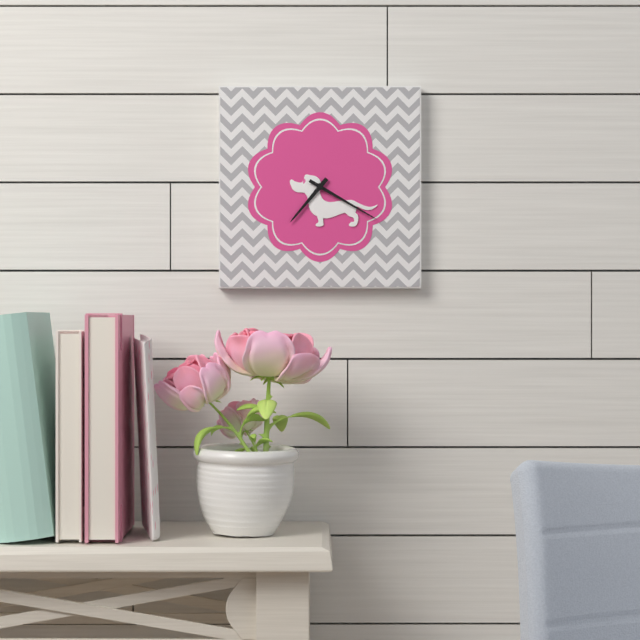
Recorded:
{"hour": 7, "minute": 20}
